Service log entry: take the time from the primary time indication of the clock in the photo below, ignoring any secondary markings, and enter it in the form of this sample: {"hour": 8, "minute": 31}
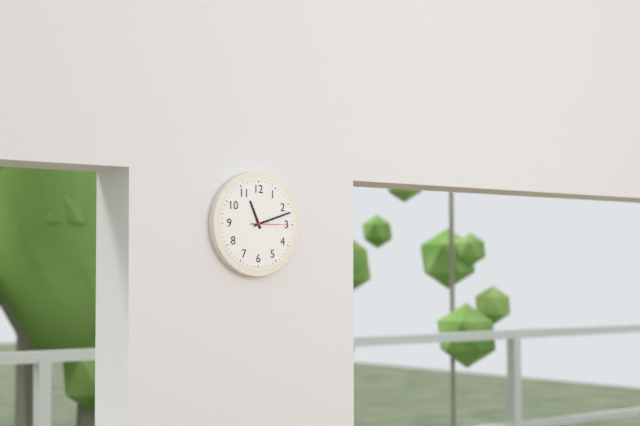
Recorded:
{"hour": 11, "minute": 12}
